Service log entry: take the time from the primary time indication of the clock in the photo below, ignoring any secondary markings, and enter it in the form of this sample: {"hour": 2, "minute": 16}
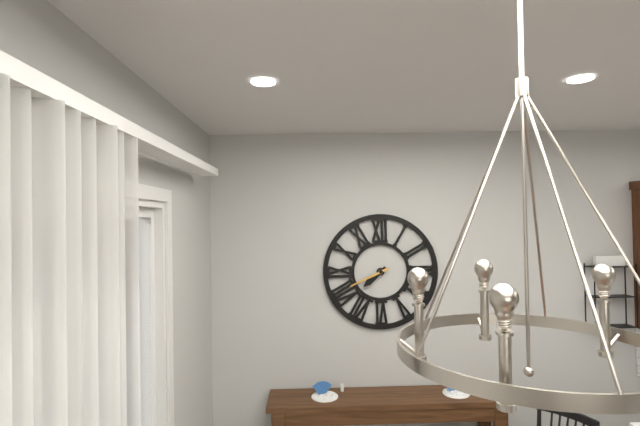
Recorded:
{"hour": 7, "minute": 41}
